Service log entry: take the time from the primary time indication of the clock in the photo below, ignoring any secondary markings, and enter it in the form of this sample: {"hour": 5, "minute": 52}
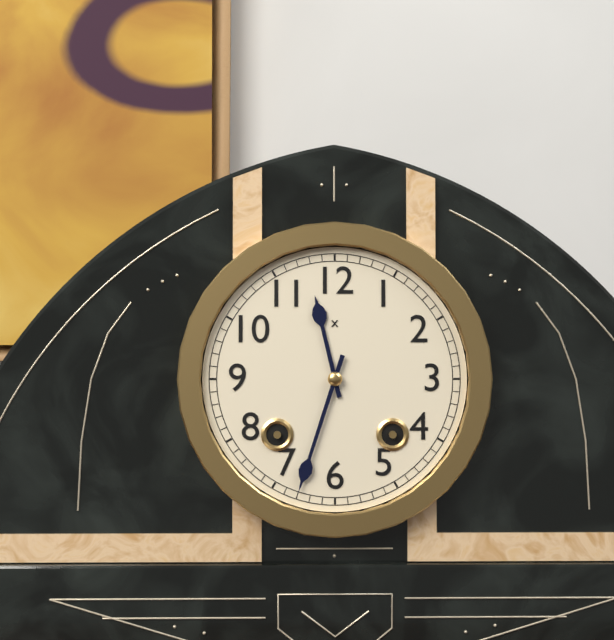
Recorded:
{"hour": 11, "minute": 33}
